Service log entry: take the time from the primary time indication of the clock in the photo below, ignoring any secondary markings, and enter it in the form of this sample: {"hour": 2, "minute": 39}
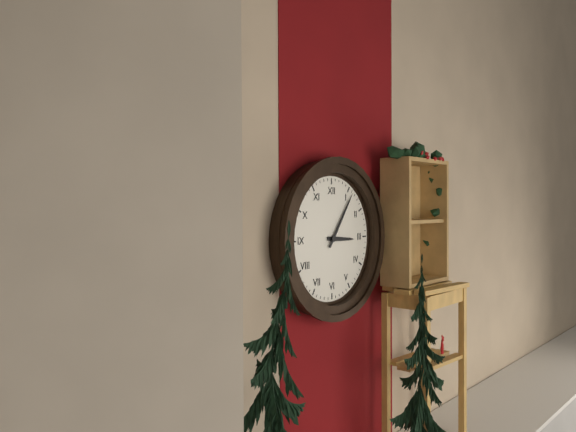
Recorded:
{"hour": 3, "minute": 6}
